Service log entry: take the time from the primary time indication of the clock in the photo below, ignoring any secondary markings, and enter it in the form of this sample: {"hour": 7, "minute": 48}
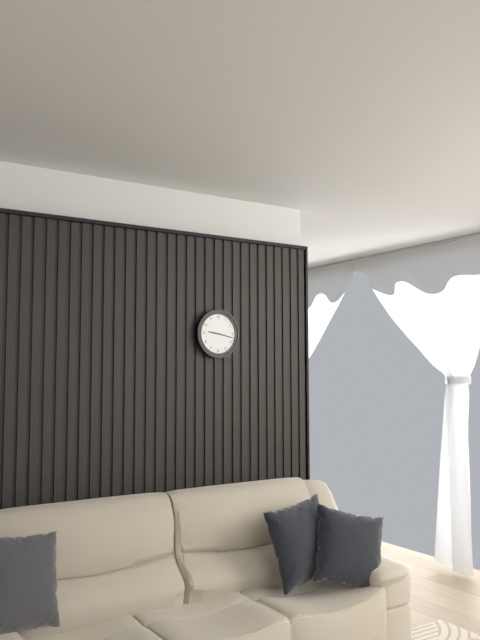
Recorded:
{"hour": 9, "minute": 17}
